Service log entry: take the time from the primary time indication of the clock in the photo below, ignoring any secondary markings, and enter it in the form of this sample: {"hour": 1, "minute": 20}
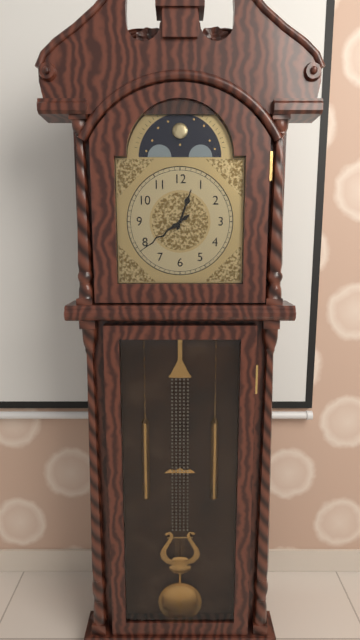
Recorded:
{"hour": 12, "minute": 39}
